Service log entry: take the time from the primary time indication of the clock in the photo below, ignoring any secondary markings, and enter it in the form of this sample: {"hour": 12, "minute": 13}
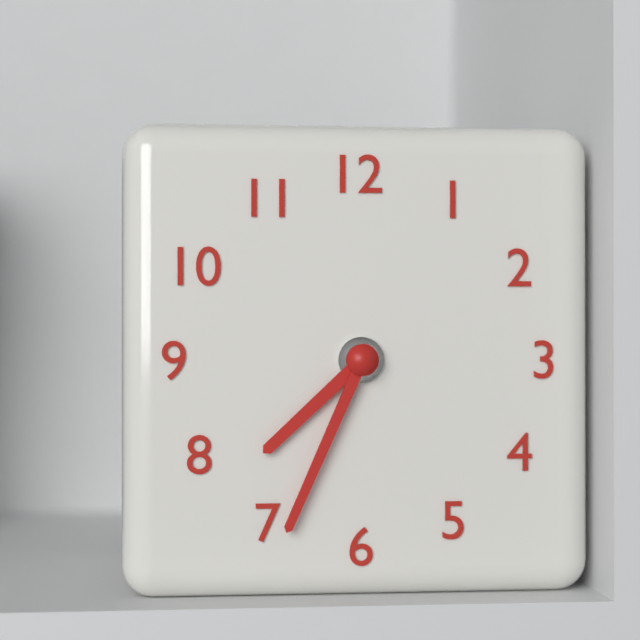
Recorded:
{"hour": 7, "minute": 34}
